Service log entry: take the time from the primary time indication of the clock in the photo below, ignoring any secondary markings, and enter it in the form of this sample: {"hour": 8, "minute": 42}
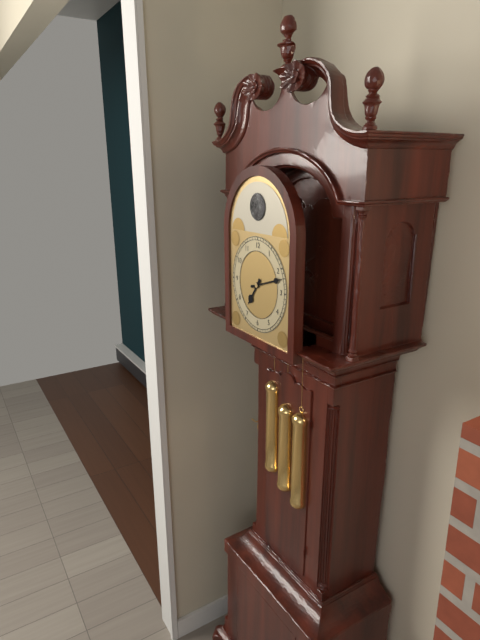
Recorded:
{"hour": 7, "minute": 12}
